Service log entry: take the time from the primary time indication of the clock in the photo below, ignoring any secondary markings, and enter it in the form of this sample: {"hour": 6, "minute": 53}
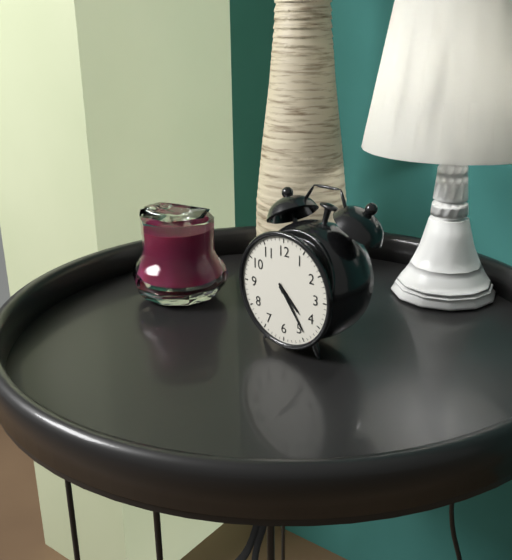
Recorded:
{"hour": 4, "minute": 24}
